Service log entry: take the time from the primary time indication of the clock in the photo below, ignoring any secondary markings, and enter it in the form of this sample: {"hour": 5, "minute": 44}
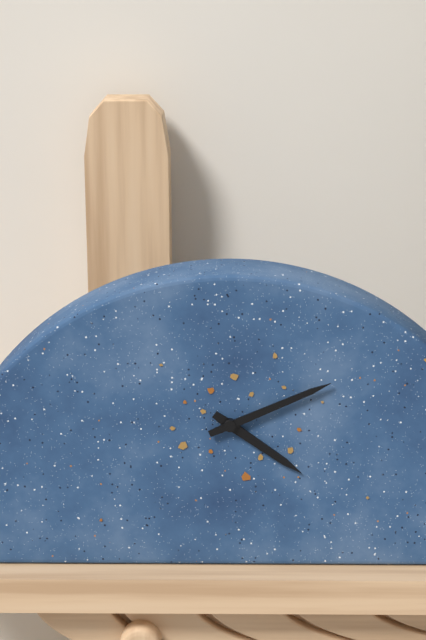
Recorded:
{"hour": 4, "minute": 11}
